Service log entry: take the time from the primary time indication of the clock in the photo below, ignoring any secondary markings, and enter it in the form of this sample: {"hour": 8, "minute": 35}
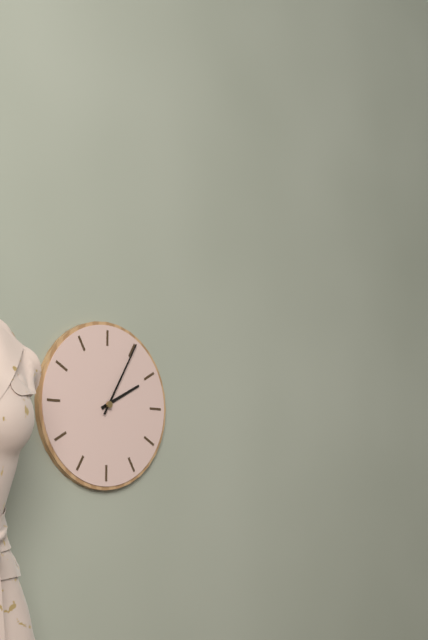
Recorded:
{"hour": 2, "minute": 5}
